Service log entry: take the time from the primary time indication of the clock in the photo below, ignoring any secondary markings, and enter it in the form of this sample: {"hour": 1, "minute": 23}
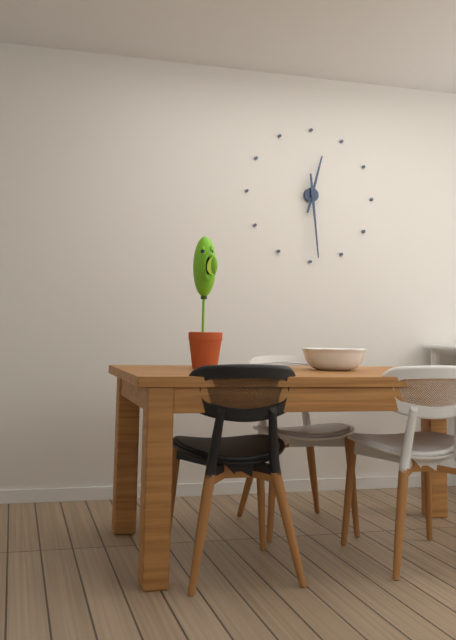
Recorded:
{"hour": 12, "minute": 29}
